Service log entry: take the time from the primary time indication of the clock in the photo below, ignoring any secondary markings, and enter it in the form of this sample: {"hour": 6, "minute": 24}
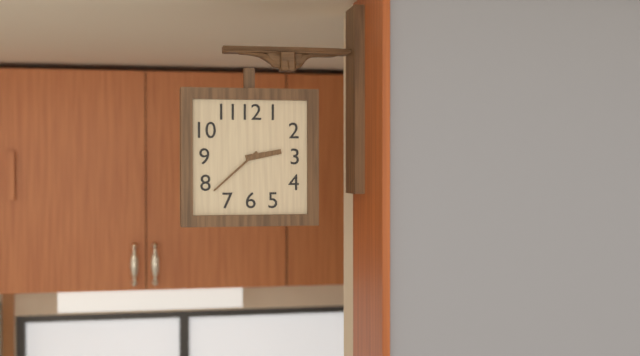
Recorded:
{"hour": 2, "minute": 38}
